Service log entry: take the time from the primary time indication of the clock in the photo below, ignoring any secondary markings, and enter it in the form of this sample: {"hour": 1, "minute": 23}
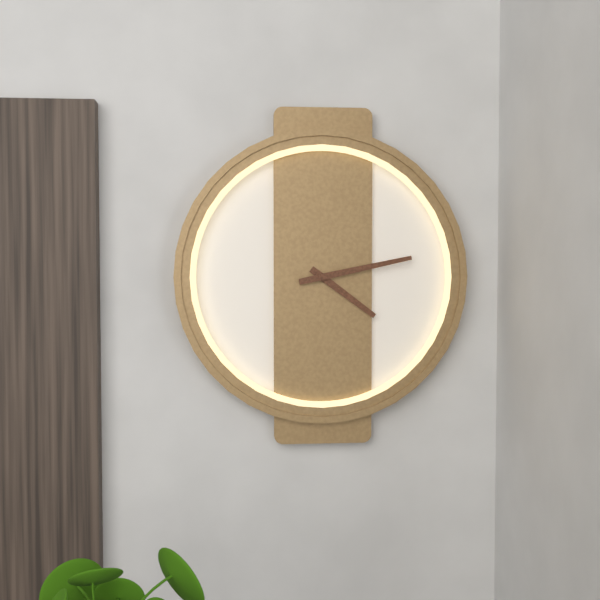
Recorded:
{"hour": 4, "minute": 13}
